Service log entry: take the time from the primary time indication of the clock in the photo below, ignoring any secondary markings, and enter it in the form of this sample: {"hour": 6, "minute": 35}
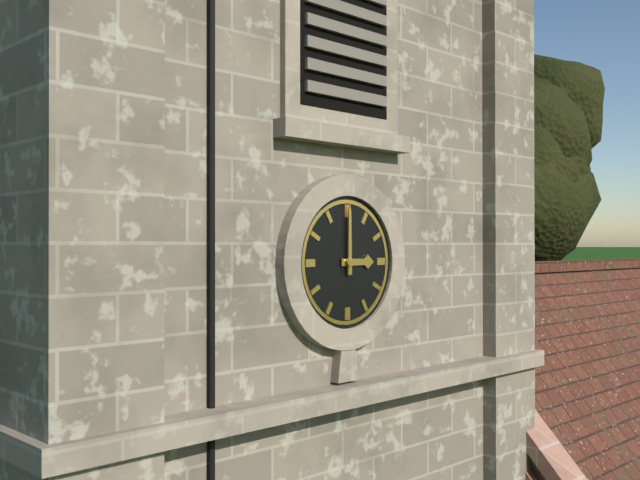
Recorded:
{"hour": 3, "minute": 0}
